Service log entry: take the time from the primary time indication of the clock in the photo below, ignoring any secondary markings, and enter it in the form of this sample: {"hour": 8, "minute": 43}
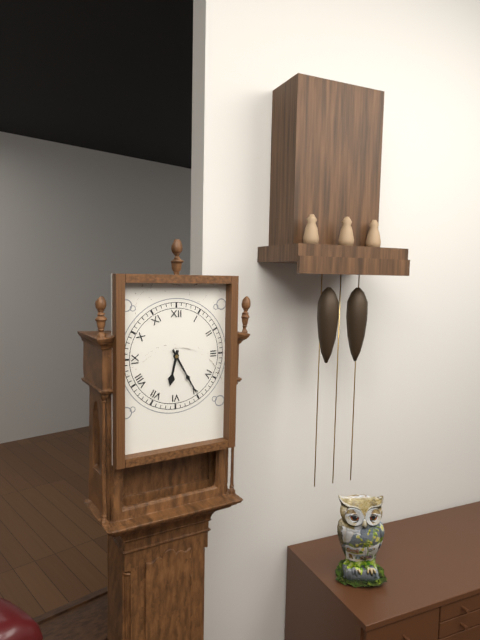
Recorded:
{"hour": 6, "minute": 25}
